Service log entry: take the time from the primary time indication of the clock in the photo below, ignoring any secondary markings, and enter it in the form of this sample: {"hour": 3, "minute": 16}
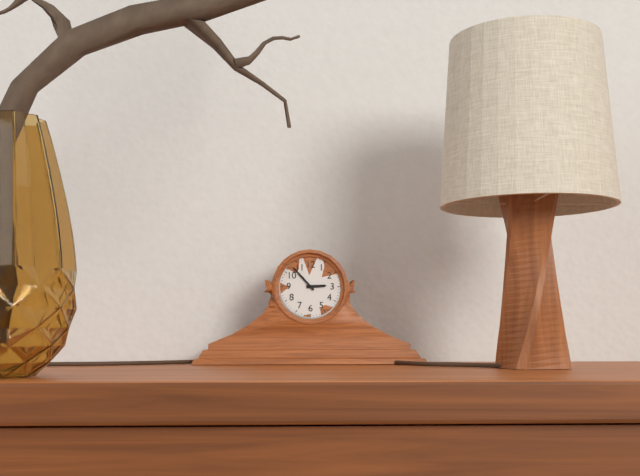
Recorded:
{"hour": 2, "minute": 53}
